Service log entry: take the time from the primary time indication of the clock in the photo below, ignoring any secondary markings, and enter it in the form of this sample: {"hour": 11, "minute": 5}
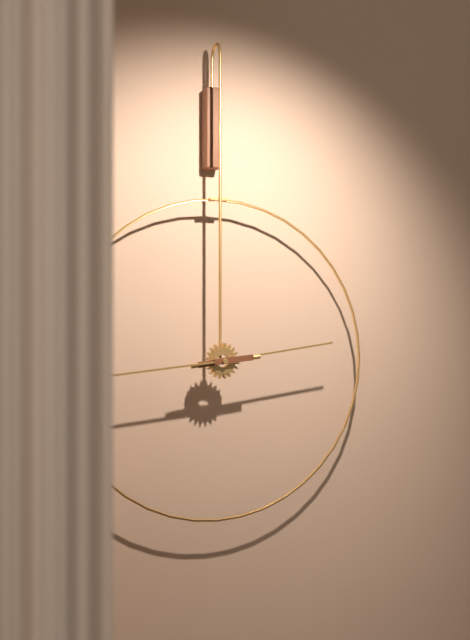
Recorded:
{"hour": 2, "minute": 44}
